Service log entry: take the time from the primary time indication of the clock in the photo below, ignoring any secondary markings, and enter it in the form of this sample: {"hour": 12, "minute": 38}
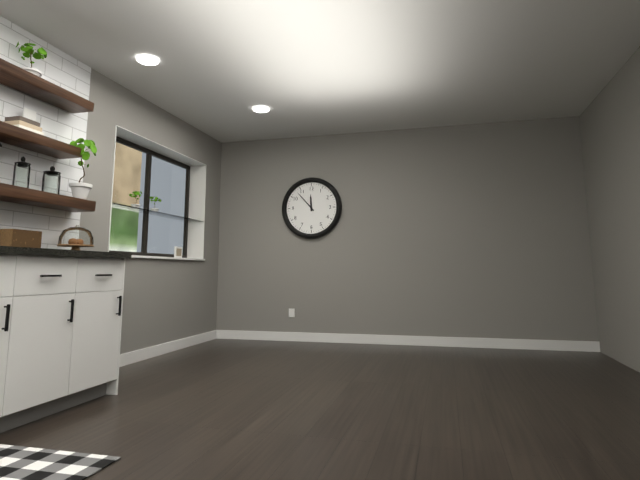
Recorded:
{"hour": 11, "minute": 53}
